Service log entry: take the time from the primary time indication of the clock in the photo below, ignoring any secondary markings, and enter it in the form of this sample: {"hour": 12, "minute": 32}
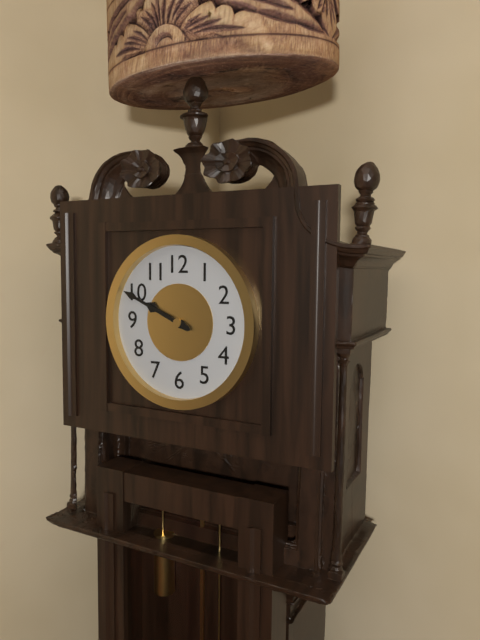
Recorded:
{"hour": 9, "minute": 49}
